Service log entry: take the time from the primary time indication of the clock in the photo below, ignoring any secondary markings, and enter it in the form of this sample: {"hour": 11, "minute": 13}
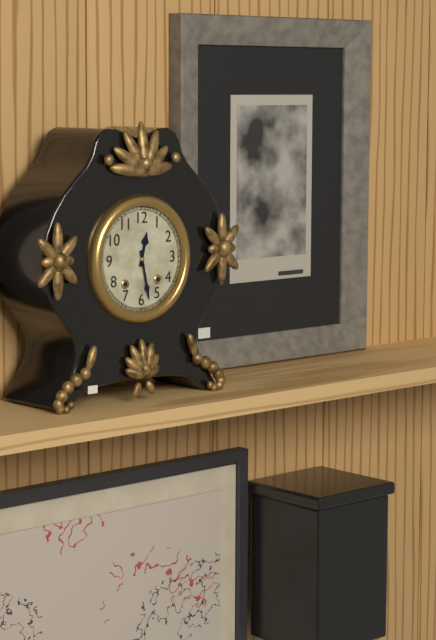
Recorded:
{"hour": 12, "minute": 28}
